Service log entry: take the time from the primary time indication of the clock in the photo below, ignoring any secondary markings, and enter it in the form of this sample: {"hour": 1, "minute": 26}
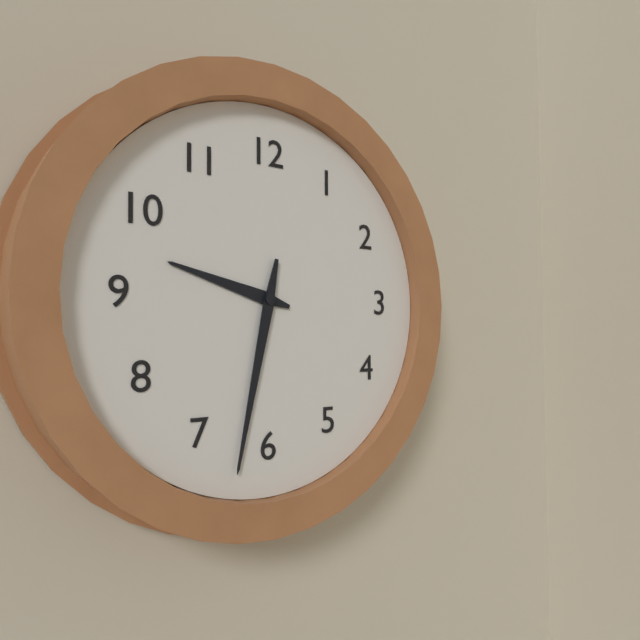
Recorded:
{"hour": 9, "minute": 32}
